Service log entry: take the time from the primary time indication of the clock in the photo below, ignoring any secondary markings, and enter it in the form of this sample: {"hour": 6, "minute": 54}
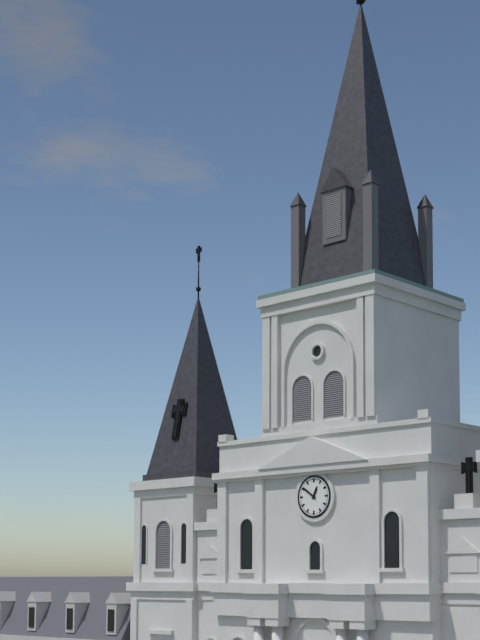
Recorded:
{"hour": 12, "minute": 51}
